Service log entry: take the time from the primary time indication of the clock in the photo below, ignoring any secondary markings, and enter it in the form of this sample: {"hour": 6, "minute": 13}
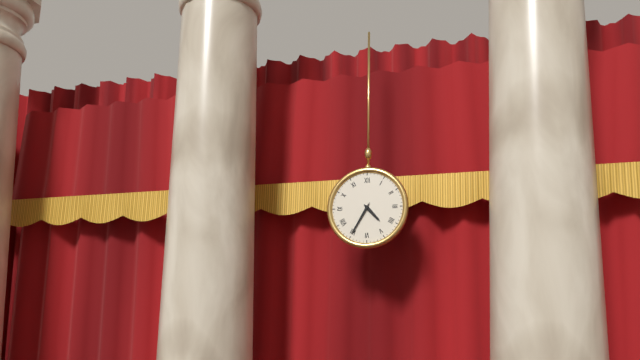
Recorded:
{"hour": 4, "minute": 35}
